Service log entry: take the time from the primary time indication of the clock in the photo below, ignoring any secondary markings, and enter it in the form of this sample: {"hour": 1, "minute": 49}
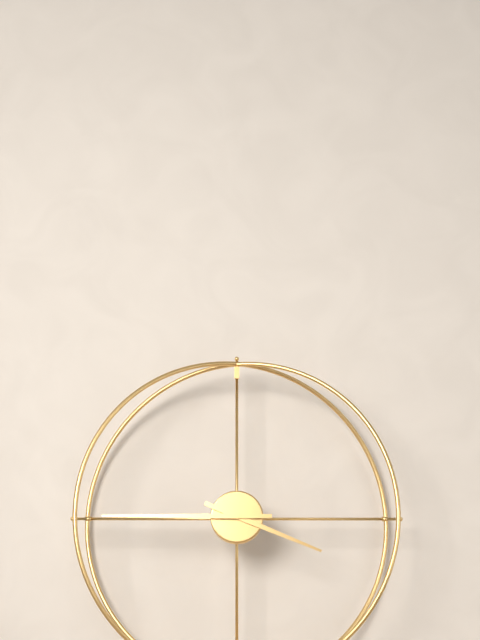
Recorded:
{"hour": 3, "minute": 45}
